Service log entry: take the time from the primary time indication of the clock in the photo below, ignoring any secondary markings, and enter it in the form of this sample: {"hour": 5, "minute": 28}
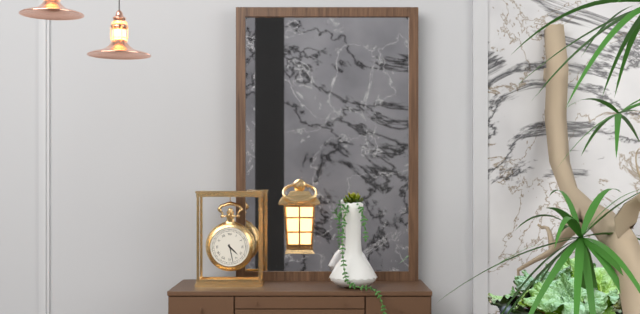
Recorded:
{"hour": 4, "minute": 28}
